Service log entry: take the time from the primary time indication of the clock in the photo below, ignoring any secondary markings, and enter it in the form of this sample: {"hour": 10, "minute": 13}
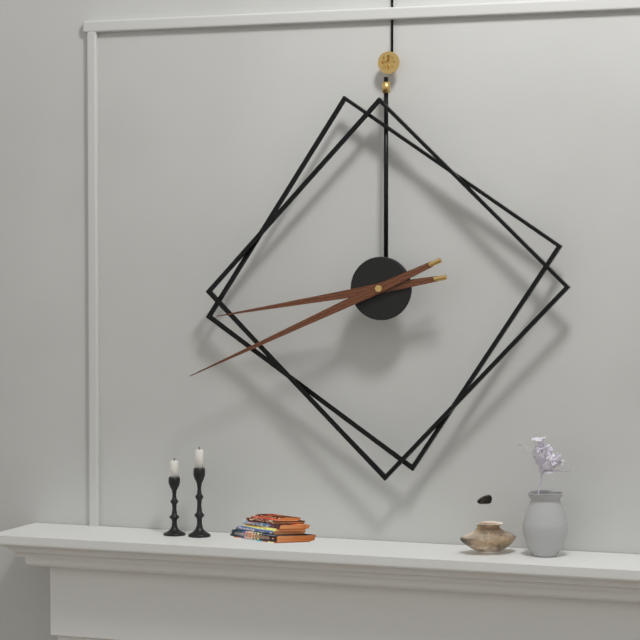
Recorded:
{"hour": 8, "minute": 41}
